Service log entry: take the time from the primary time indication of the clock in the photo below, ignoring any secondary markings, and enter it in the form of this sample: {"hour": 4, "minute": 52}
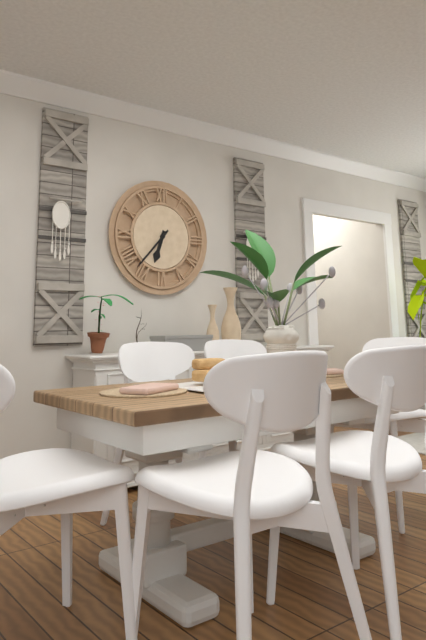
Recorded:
{"hour": 6, "minute": 37}
